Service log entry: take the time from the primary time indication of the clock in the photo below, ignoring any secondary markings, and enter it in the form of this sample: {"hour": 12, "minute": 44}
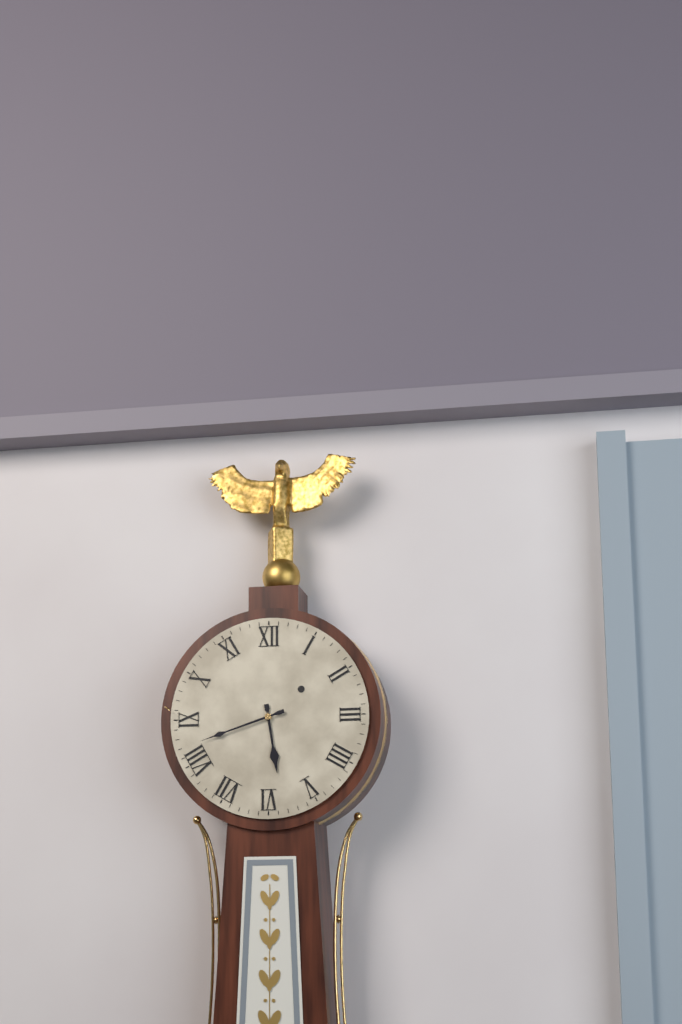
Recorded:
{"hour": 5, "minute": 42}
